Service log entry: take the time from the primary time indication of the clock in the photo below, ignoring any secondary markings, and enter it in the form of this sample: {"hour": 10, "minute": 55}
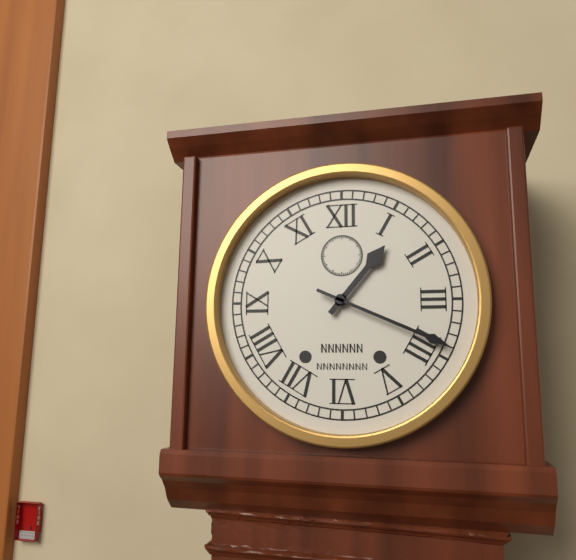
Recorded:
{"hour": 1, "minute": 19}
